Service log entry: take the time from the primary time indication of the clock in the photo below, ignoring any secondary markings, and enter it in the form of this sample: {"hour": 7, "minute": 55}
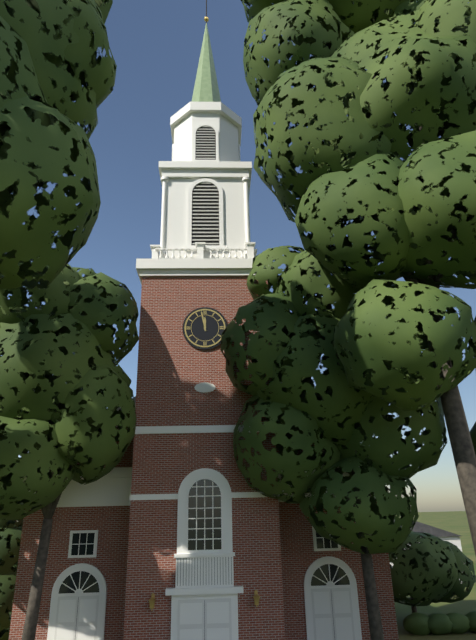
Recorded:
{"hour": 11, "minute": 58}
